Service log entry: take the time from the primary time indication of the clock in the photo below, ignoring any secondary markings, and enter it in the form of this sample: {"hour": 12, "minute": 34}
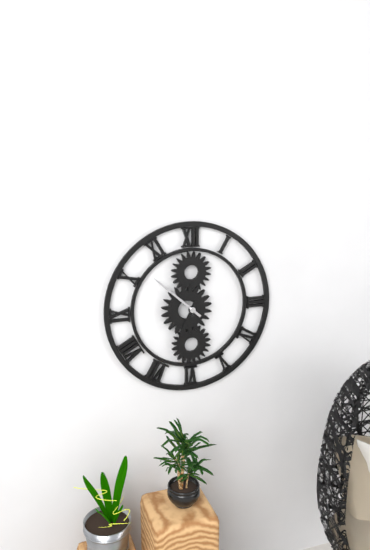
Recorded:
{"hour": 6, "minute": 52}
